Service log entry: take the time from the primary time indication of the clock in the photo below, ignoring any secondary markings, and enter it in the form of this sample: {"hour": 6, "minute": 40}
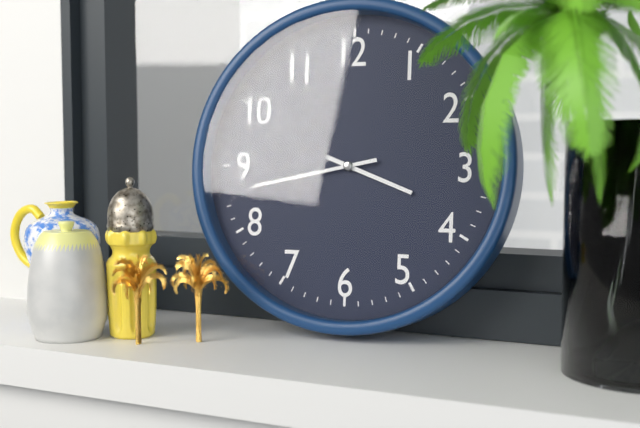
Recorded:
{"hour": 3, "minute": 43}
